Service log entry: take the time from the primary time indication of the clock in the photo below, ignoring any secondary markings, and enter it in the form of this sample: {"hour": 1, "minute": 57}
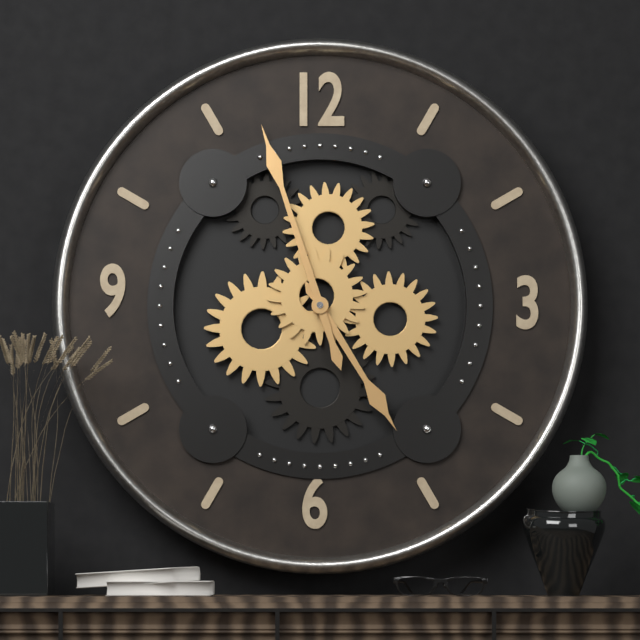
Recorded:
{"hour": 4, "minute": 57}
